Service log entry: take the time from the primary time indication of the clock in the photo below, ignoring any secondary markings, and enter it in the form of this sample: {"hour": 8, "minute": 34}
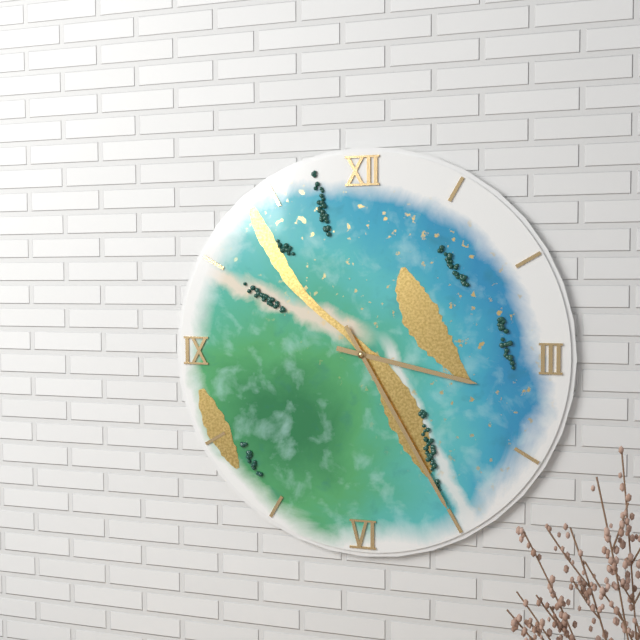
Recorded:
{"hour": 3, "minute": 25}
